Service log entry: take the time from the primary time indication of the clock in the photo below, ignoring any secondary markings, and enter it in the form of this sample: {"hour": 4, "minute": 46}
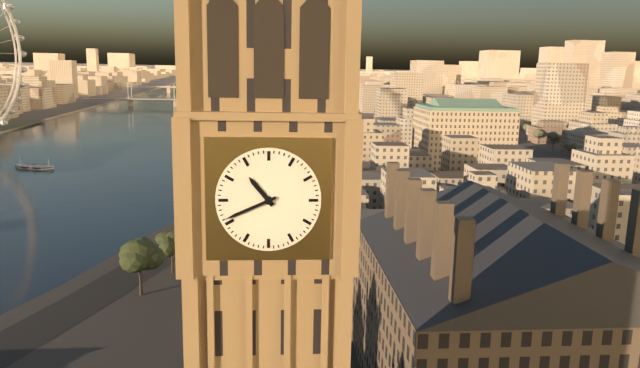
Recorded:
{"hour": 10, "minute": 41}
